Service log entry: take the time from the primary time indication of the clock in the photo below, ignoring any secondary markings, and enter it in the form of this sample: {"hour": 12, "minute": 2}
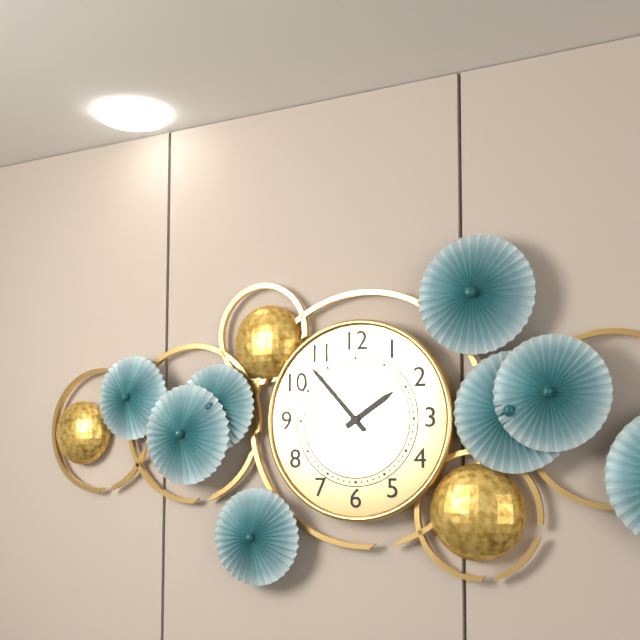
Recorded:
{"hour": 1, "minute": 53}
